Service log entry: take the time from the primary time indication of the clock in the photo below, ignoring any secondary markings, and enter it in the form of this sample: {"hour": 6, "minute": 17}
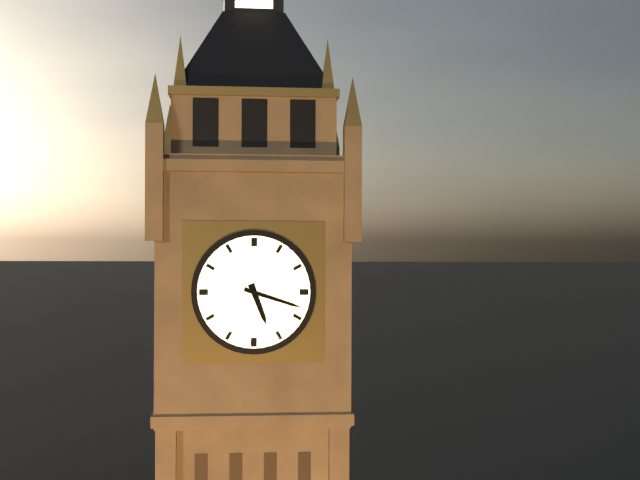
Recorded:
{"hour": 5, "minute": 18}
